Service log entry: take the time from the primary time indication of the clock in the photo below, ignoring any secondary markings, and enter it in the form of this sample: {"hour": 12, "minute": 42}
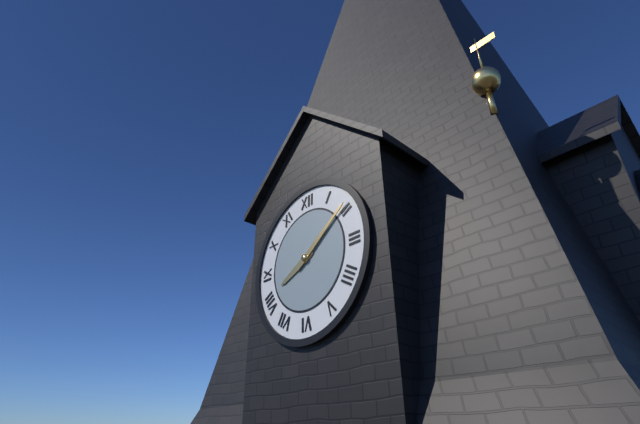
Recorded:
{"hour": 8, "minute": 9}
